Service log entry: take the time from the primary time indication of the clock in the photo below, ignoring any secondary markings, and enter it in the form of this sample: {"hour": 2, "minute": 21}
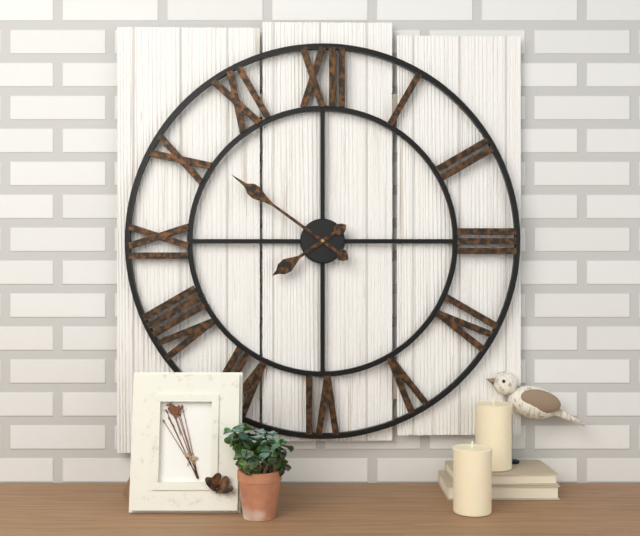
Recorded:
{"hour": 7, "minute": 51}
